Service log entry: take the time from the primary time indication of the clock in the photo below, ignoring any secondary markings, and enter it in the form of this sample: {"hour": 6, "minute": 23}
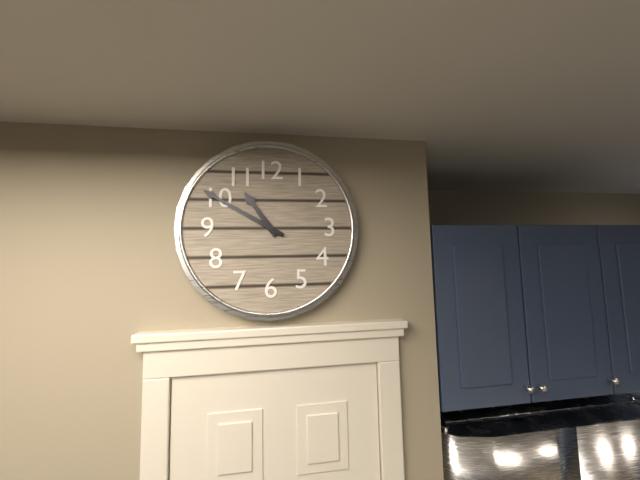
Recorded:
{"hour": 10, "minute": 50}
